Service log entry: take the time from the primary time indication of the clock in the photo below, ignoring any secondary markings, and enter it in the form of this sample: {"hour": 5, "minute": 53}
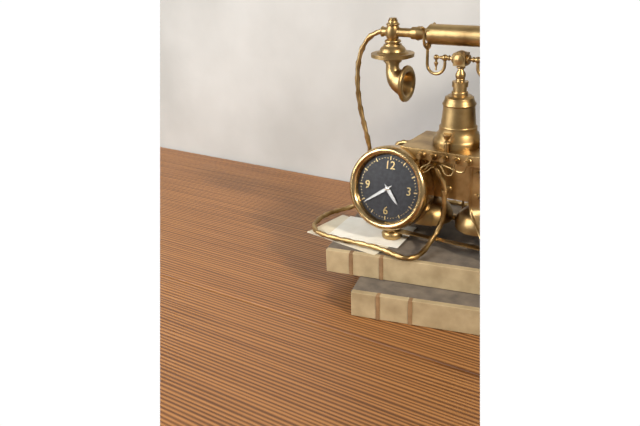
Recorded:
{"hour": 4, "minute": 39}
